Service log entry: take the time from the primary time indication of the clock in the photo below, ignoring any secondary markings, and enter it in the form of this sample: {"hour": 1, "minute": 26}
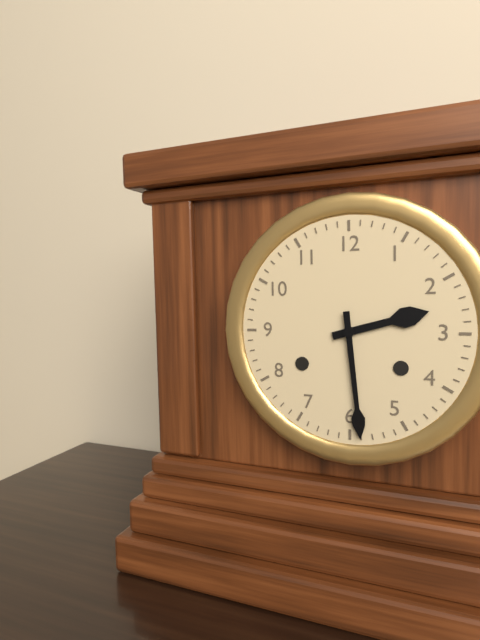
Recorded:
{"hour": 2, "minute": 29}
